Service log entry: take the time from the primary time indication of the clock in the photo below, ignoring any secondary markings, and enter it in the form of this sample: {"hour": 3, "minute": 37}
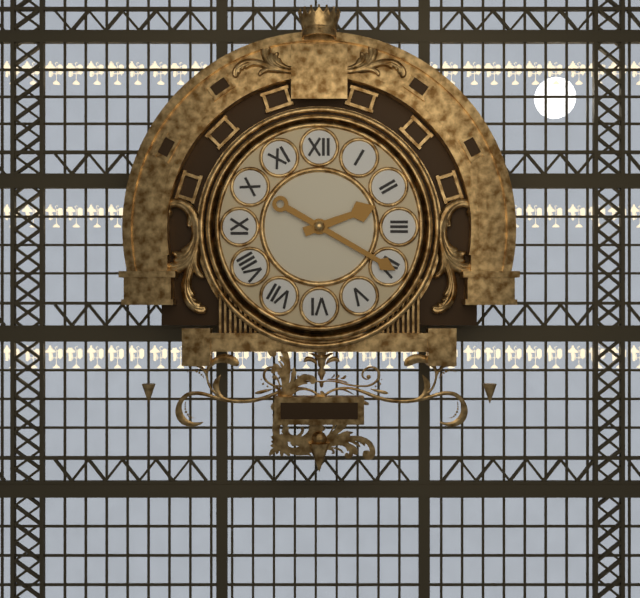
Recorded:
{"hour": 2, "minute": 20}
